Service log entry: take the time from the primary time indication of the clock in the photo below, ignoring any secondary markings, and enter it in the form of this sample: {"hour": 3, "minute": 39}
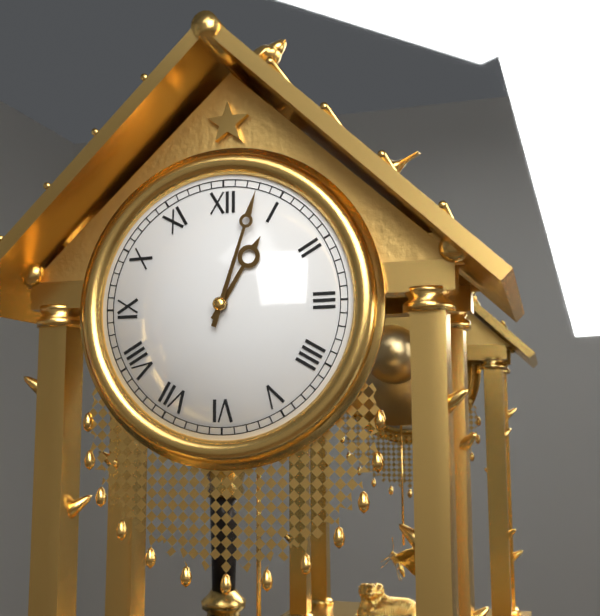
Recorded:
{"hour": 1, "minute": 3}
